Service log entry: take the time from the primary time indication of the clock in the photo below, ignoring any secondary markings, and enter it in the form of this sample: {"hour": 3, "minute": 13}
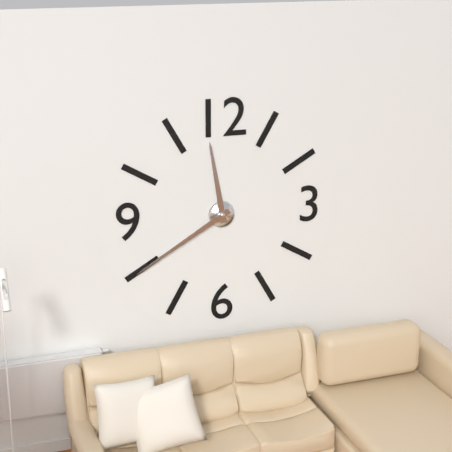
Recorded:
{"hour": 11, "minute": 40}
